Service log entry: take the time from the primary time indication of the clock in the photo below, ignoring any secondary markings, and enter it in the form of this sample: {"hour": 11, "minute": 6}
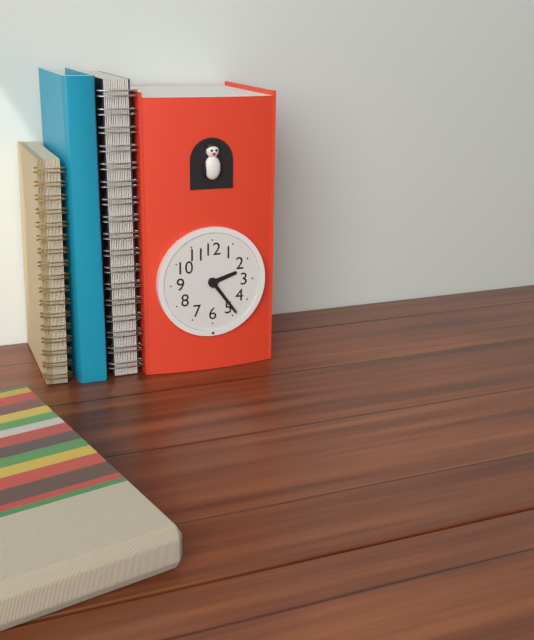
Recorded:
{"hour": 2, "minute": 24}
